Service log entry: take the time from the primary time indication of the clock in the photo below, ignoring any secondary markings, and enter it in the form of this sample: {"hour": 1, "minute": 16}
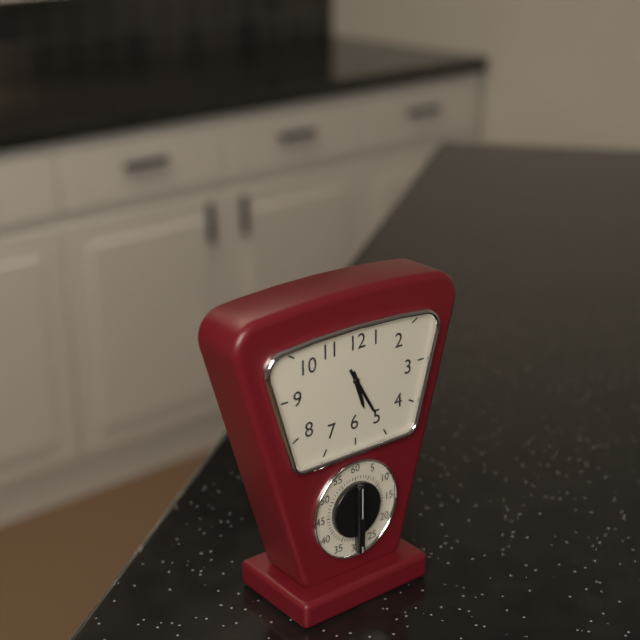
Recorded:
{"hour": 5, "minute": 25}
